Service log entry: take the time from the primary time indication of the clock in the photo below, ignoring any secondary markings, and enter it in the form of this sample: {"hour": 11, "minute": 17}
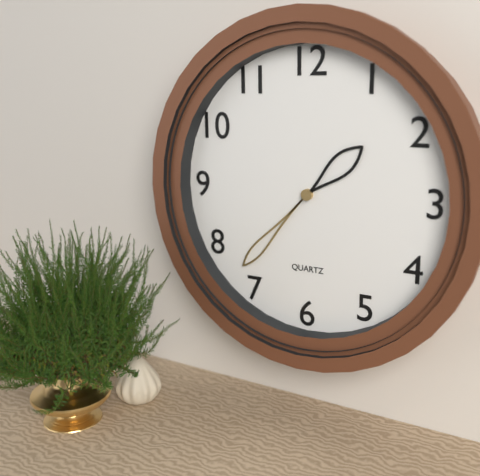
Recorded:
{"hour": 1, "minute": 37}
